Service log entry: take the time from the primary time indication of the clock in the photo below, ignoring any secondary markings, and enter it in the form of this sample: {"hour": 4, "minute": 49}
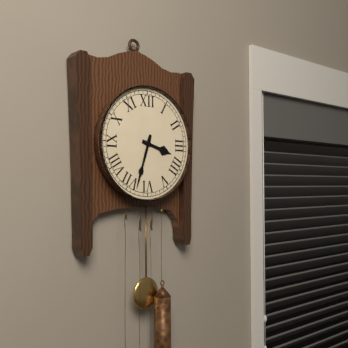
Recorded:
{"hour": 3, "minute": 33}
